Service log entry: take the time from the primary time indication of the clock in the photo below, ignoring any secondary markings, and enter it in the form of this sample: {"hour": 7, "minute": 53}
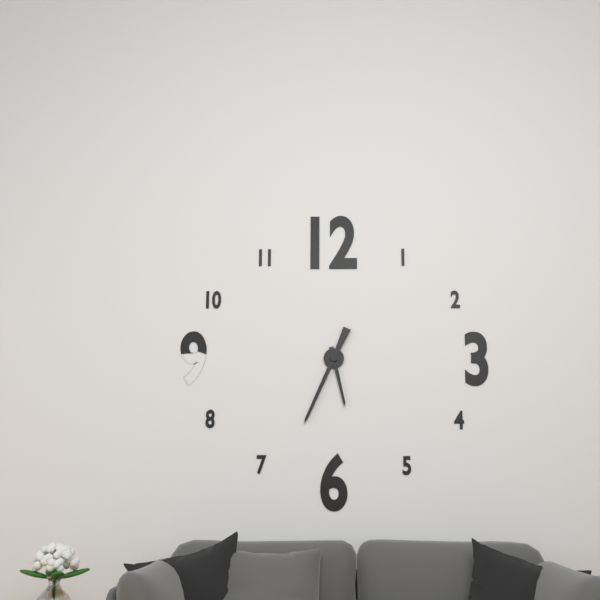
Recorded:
{"hour": 5, "minute": 34}
